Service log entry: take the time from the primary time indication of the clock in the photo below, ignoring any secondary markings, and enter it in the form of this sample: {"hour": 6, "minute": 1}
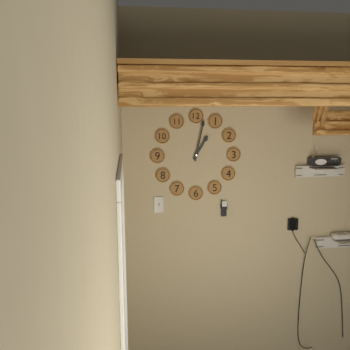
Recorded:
{"hour": 1, "minute": 2}
